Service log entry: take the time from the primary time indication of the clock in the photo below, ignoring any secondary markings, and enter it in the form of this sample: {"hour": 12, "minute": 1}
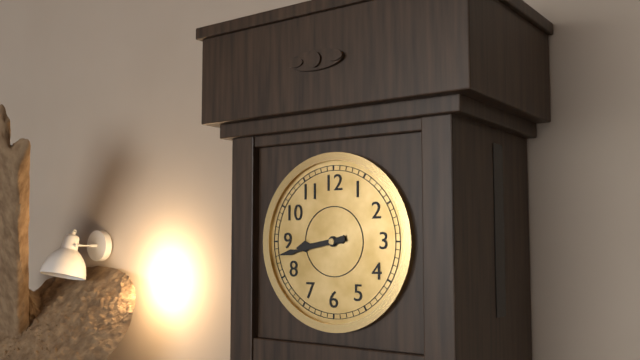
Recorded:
{"hour": 8, "minute": 43}
